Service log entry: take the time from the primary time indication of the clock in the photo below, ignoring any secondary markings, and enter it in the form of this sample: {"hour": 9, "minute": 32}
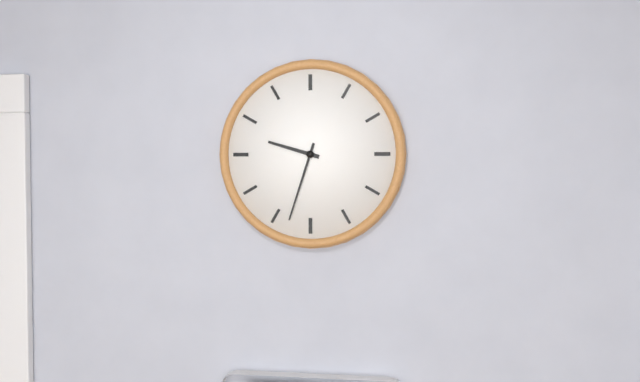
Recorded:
{"hour": 9, "minute": 33}
